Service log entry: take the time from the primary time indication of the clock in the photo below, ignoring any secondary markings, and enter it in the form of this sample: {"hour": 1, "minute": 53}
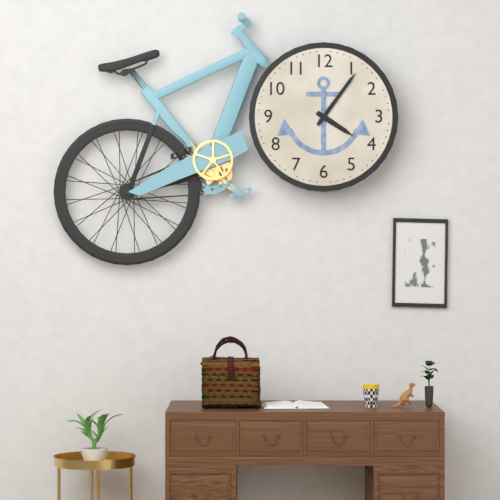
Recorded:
{"hour": 4, "minute": 6}
